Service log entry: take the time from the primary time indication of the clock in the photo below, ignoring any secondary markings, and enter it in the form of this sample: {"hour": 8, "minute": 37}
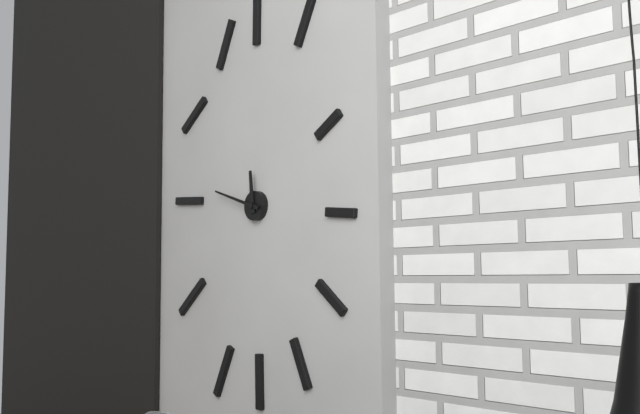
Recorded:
{"hour": 11, "minute": 48}
